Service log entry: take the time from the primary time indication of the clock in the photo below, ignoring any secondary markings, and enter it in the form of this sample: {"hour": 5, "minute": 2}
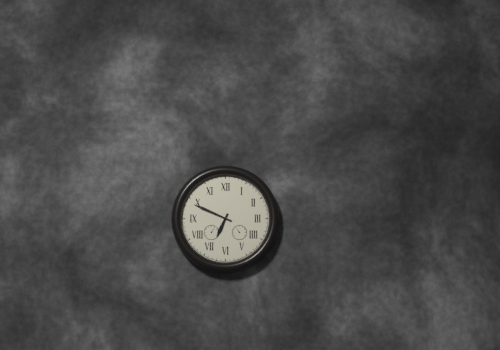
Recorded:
{"hour": 6, "minute": 49}
